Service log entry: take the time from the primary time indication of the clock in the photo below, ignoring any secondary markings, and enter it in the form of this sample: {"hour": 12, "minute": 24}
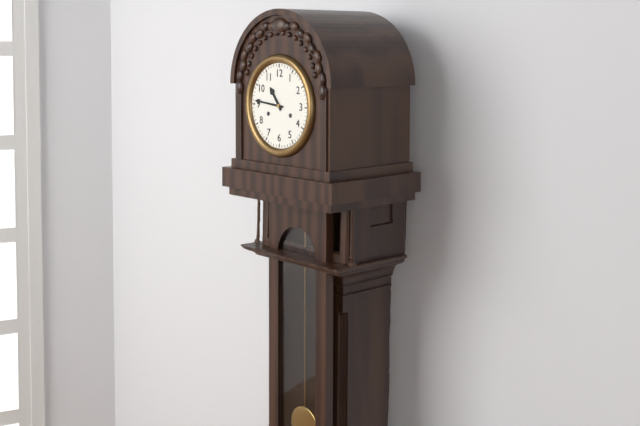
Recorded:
{"hour": 10, "minute": 46}
